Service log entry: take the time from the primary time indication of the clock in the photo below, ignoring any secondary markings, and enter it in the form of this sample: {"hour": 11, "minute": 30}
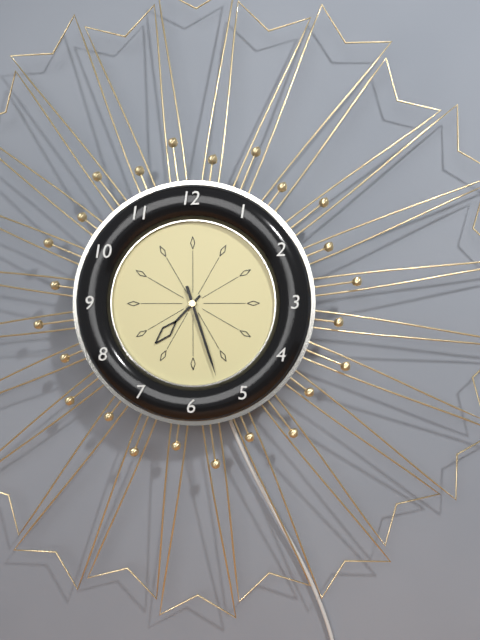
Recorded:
{"hour": 7, "minute": 27}
